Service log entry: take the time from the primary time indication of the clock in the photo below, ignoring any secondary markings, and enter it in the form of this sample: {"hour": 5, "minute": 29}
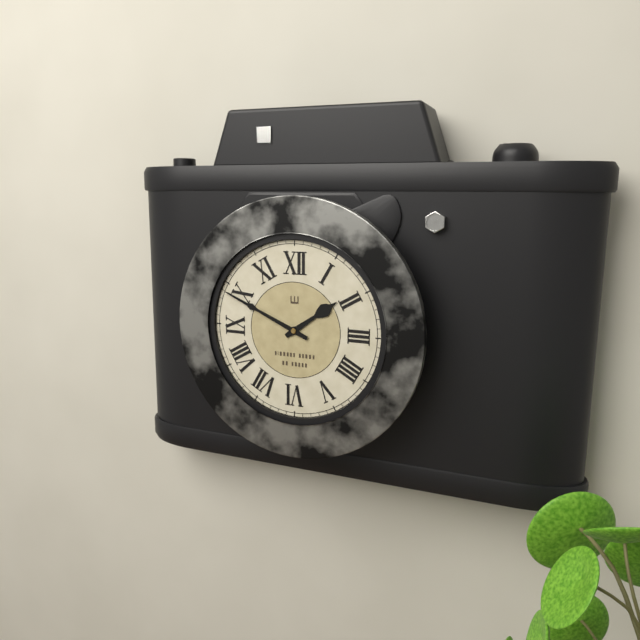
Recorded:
{"hour": 1, "minute": 49}
